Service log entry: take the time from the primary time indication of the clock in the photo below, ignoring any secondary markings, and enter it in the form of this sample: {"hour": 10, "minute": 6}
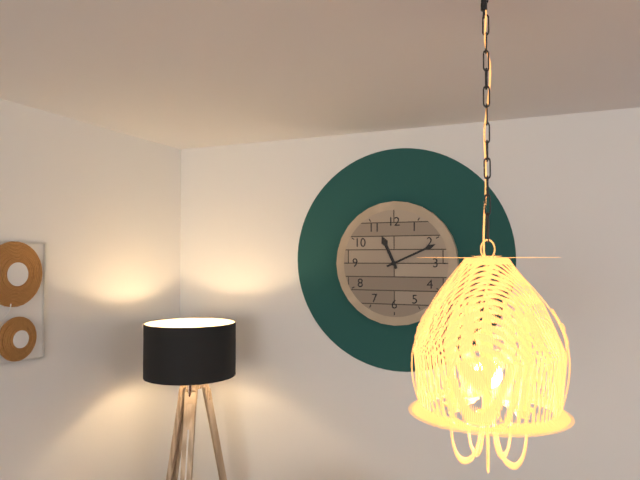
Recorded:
{"hour": 11, "minute": 11}
